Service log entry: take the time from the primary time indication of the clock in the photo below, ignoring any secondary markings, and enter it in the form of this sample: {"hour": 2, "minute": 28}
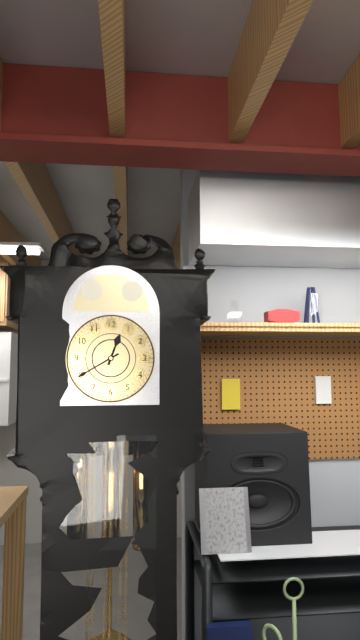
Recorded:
{"hour": 12, "minute": 40}
